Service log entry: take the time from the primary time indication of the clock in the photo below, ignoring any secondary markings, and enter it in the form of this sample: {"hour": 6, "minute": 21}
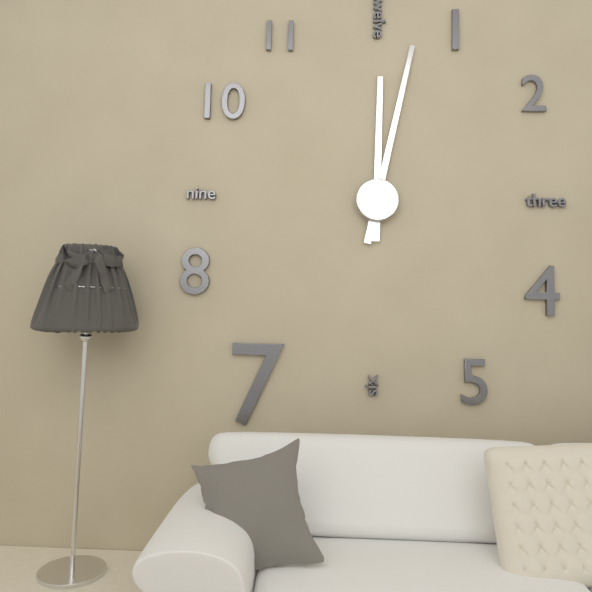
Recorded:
{"hour": 12, "minute": 2}
